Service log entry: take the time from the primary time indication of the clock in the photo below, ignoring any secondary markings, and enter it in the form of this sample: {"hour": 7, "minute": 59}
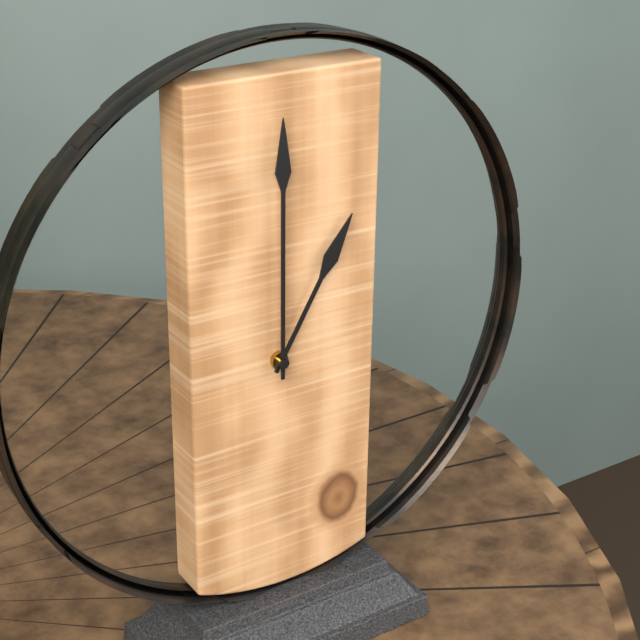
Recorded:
{"hour": 1, "minute": 0}
